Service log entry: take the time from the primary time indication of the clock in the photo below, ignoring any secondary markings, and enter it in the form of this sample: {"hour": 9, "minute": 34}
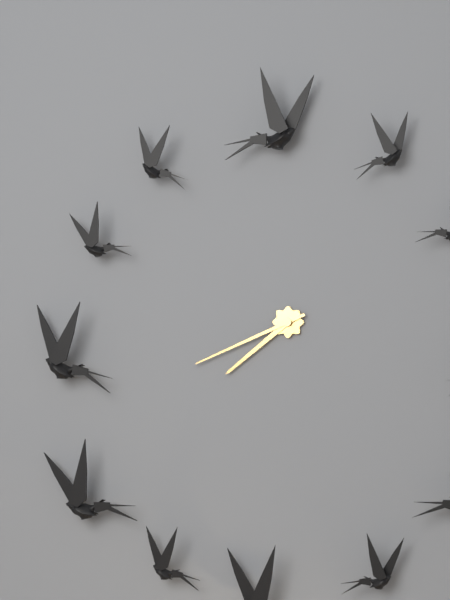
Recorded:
{"hour": 7, "minute": 41}
